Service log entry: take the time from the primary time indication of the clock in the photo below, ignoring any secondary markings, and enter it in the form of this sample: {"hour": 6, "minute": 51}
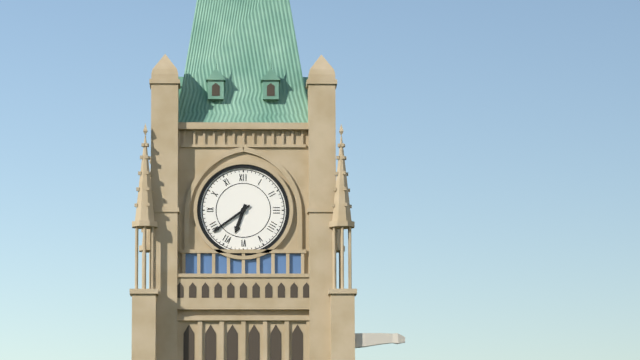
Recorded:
{"hour": 6, "minute": 39}
